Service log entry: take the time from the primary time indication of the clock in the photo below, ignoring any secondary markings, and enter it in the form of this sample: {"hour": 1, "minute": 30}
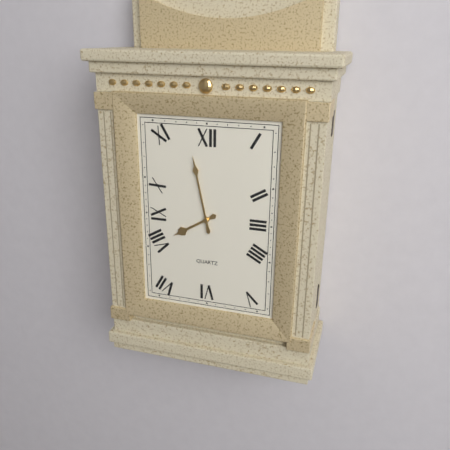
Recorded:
{"hour": 7, "minute": 58}
